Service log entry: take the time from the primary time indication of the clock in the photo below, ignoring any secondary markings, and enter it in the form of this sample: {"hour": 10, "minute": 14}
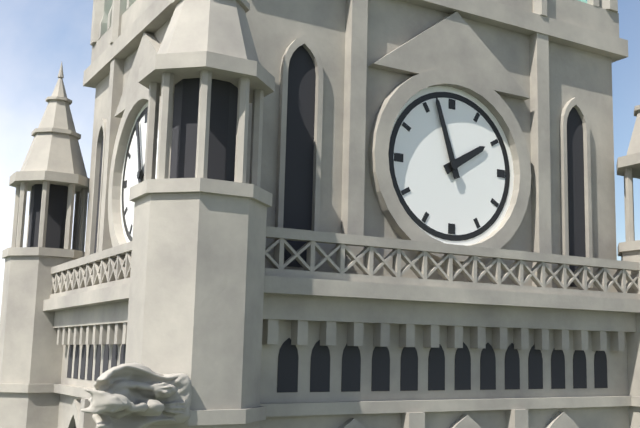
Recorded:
{"hour": 1, "minute": 57}
